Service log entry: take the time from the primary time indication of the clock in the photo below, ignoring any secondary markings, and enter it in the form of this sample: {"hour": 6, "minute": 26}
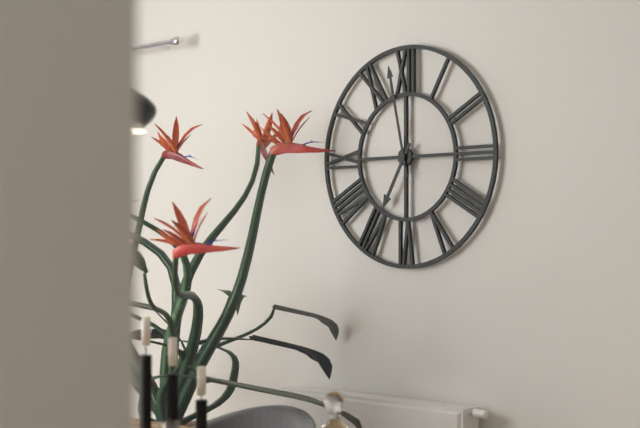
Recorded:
{"hour": 6, "minute": 58}
